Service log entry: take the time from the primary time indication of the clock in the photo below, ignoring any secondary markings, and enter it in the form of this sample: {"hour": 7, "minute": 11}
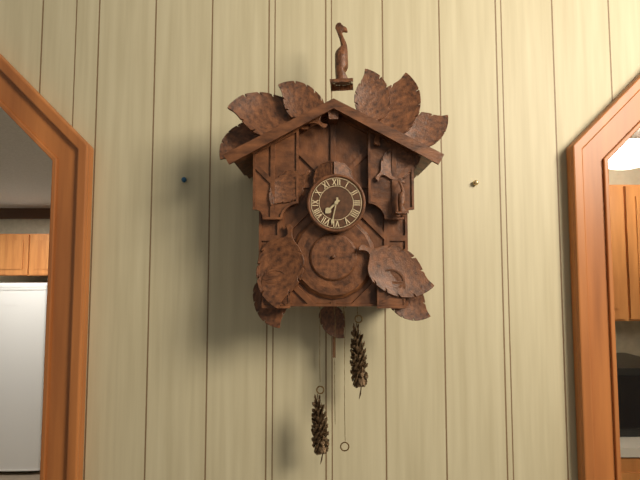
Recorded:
{"hour": 7, "minute": 32}
